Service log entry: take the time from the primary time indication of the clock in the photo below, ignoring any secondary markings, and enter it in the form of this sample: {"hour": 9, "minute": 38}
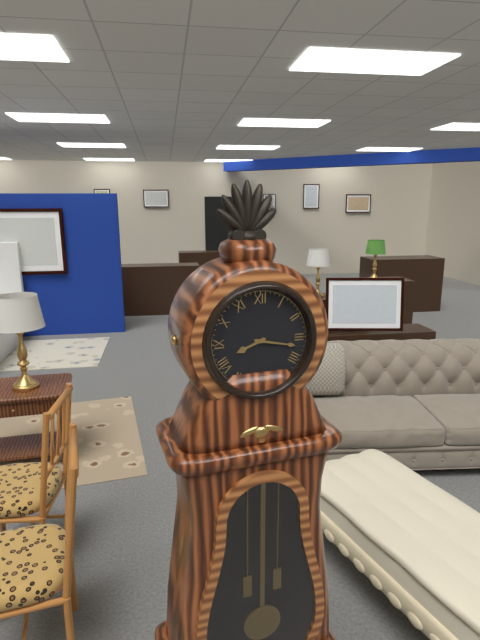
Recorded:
{"hour": 8, "minute": 17}
